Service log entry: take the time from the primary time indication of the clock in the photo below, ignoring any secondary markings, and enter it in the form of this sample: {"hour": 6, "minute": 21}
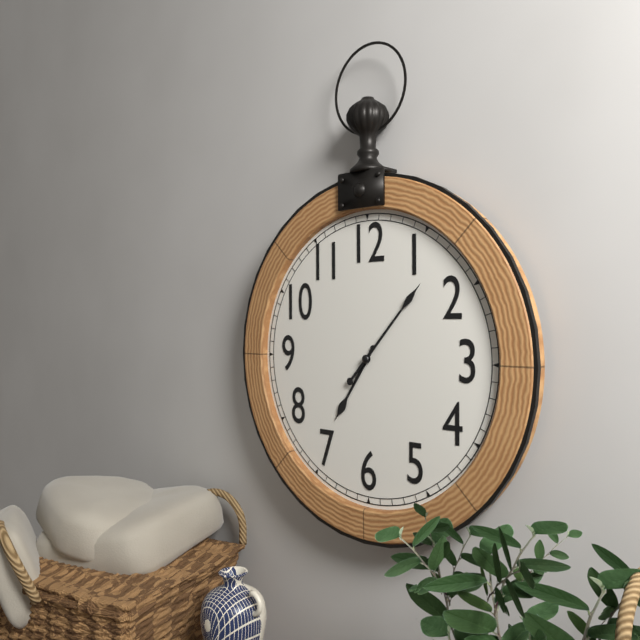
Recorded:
{"hour": 7, "minute": 7}
